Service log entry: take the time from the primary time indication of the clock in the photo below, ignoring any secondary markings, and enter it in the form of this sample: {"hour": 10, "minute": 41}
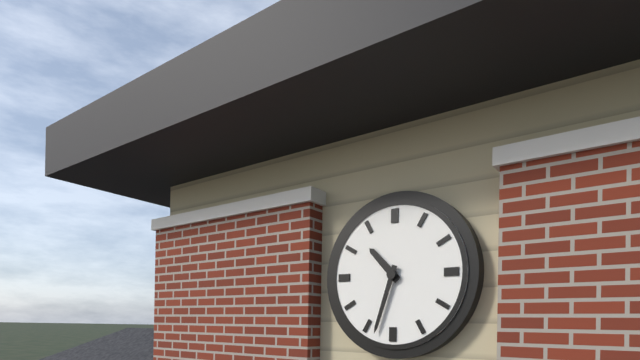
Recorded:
{"hour": 10, "minute": 33}
